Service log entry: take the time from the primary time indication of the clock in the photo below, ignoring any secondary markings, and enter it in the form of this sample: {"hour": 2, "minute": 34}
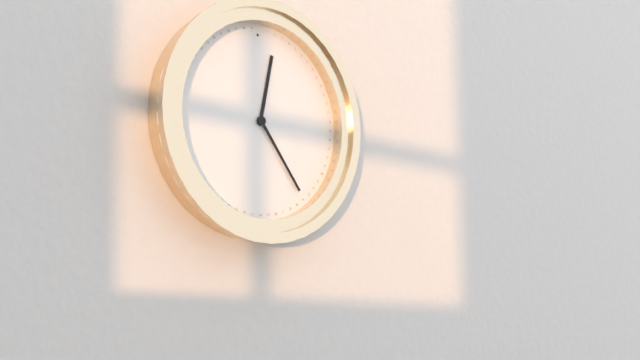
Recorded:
{"hour": 12, "minute": 24}
